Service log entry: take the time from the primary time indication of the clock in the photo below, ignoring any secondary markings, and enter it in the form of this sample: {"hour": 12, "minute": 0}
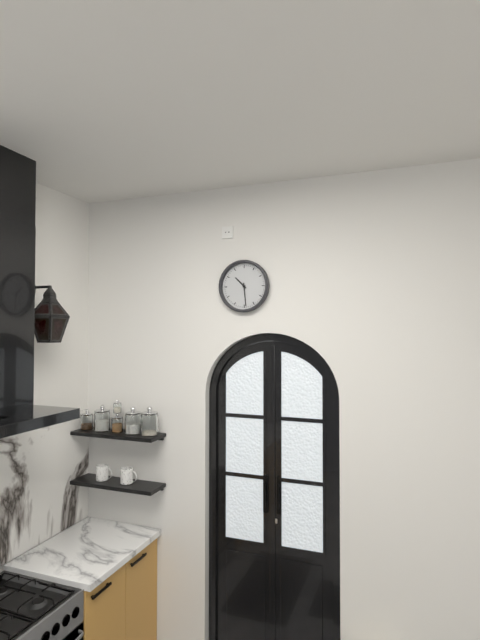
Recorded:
{"hour": 10, "minute": 29}
